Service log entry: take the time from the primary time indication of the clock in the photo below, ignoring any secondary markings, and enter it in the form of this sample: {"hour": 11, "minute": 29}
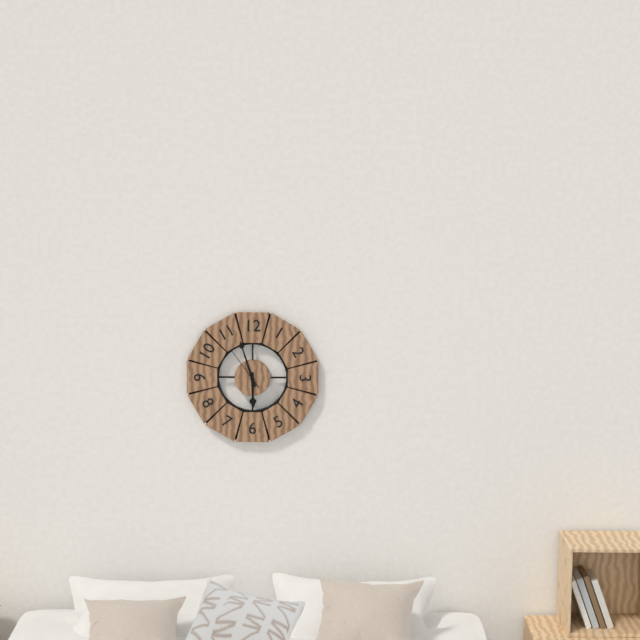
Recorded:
{"hour": 5, "minute": 57}
